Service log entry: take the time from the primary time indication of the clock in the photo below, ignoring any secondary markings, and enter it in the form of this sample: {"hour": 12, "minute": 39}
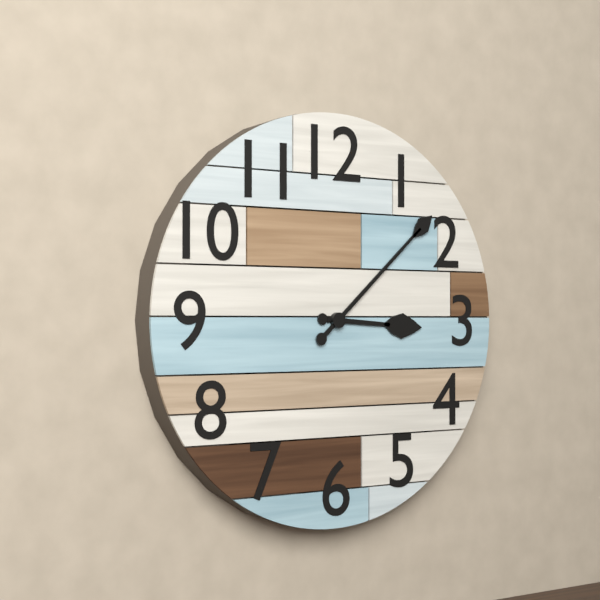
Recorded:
{"hour": 3, "minute": 8}
